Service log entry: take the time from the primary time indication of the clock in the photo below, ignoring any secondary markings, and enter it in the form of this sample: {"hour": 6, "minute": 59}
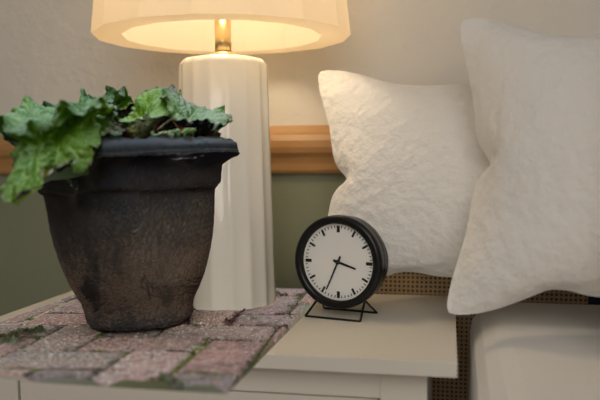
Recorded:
{"hour": 3, "minute": 34}
